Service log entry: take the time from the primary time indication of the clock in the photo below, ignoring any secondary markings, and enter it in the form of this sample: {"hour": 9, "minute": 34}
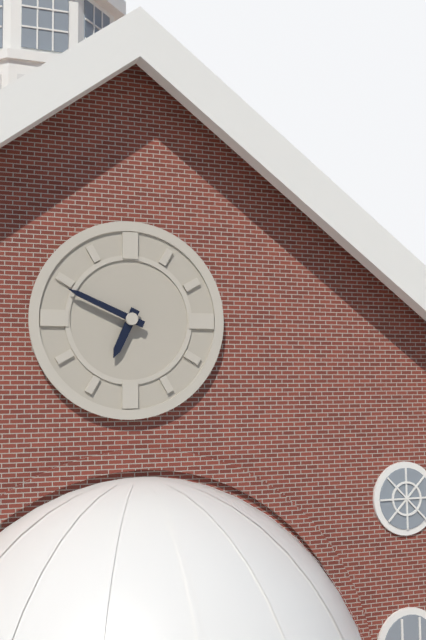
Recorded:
{"hour": 6, "minute": 49}
